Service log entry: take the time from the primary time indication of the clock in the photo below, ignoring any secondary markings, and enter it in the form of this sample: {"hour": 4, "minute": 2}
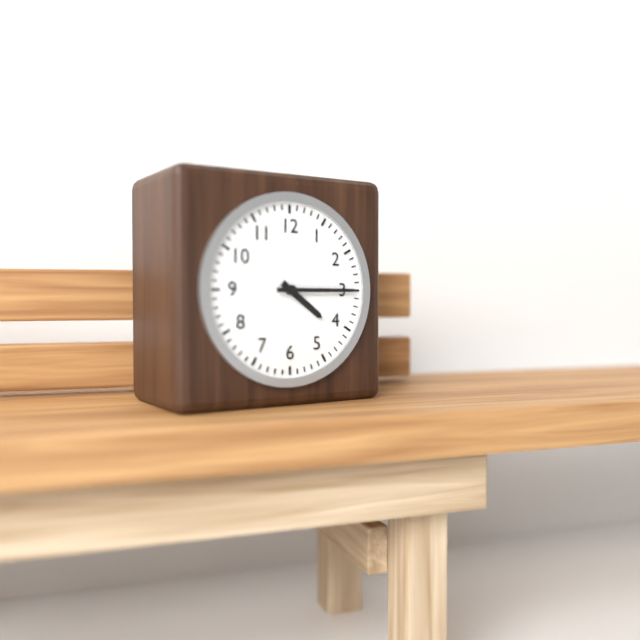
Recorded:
{"hour": 4, "minute": 15}
